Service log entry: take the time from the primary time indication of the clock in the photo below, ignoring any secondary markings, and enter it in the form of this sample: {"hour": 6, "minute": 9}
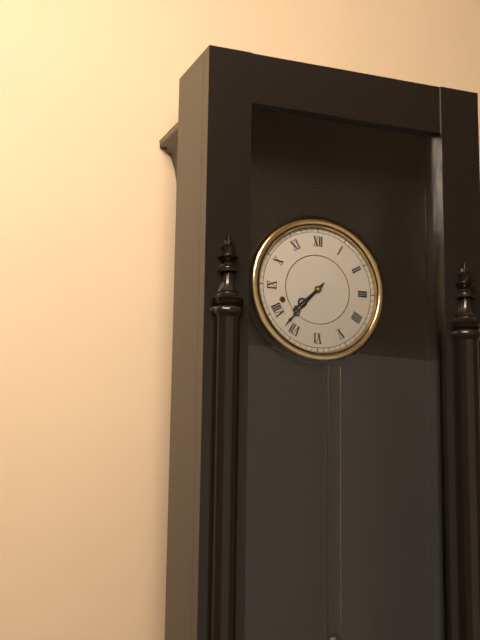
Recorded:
{"hour": 7, "minute": 37}
